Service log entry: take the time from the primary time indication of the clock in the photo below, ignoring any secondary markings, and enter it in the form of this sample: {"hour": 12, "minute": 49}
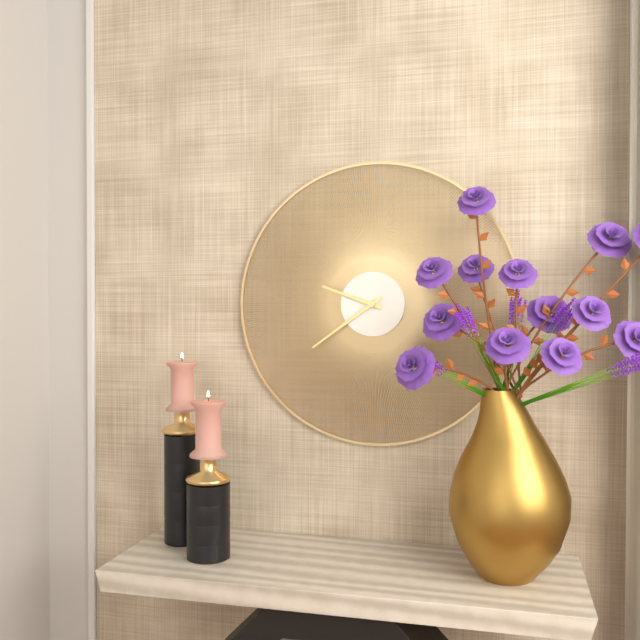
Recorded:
{"hour": 9, "minute": 39}
